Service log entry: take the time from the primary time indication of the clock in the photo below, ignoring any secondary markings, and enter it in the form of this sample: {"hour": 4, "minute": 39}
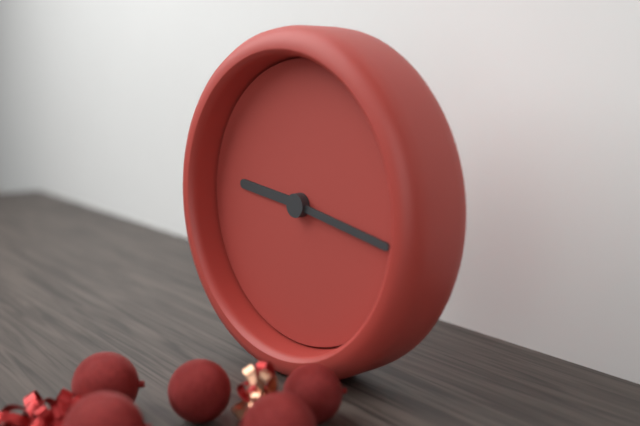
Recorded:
{"hour": 9, "minute": 17}
